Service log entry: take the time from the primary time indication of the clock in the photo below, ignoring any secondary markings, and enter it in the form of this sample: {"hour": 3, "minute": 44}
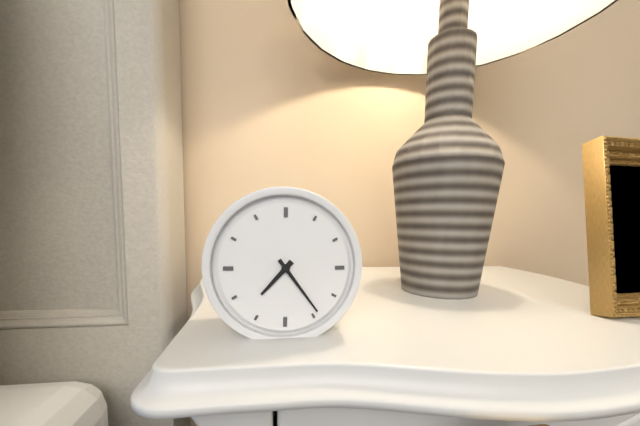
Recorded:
{"hour": 7, "minute": 24}
